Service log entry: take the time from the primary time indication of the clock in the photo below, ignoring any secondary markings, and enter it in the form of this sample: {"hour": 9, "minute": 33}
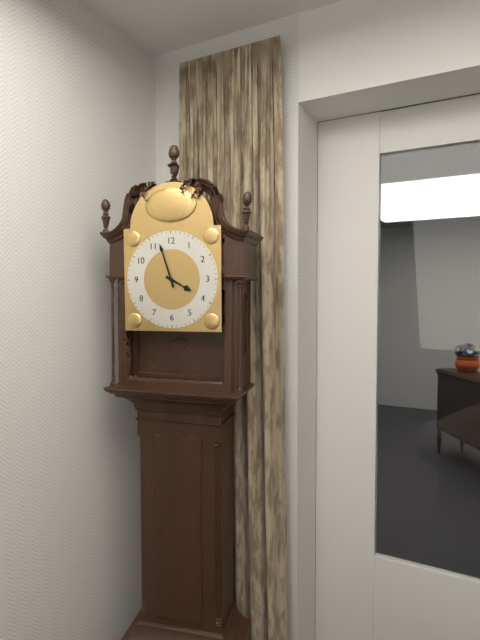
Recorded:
{"hour": 3, "minute": 57}
